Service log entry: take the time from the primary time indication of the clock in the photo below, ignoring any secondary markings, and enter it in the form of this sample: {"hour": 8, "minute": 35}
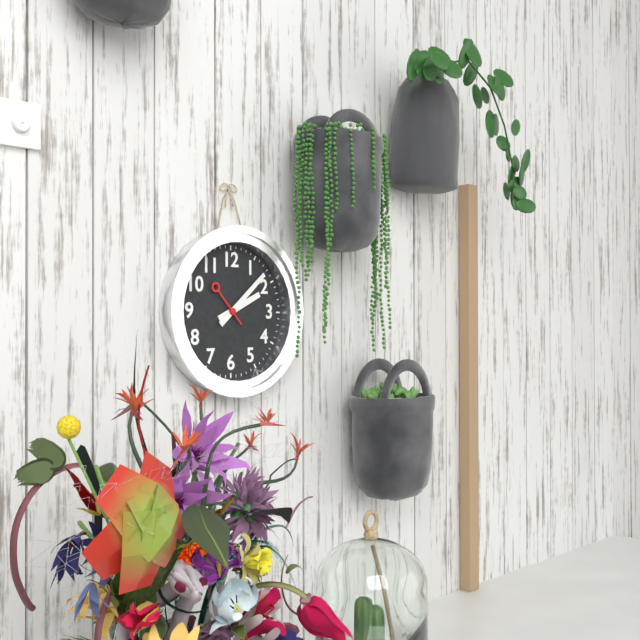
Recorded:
{"hour": 2, "minute": 8}
